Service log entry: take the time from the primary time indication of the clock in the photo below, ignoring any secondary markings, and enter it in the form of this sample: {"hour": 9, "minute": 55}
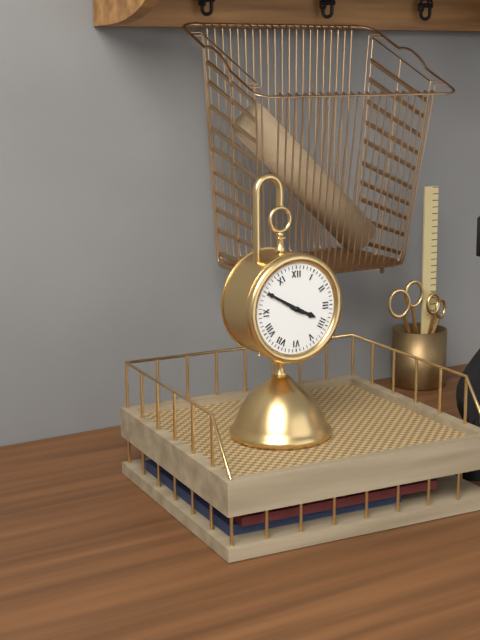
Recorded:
{"hour": 3, "minute": 50}
